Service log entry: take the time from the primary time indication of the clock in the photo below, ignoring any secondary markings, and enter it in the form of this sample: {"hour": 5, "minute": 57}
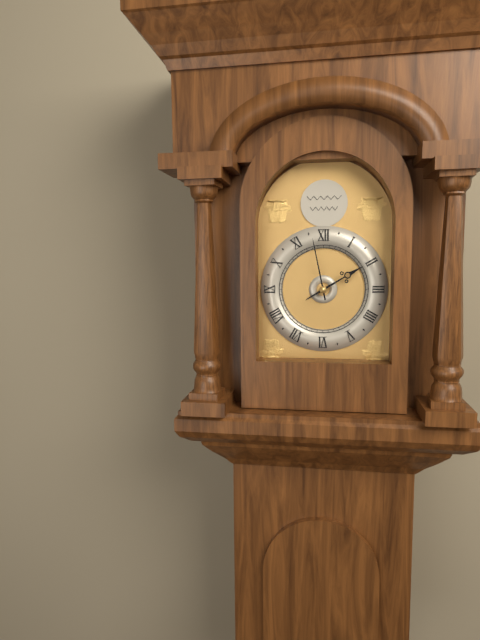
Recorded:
{"hour": 1, "minute": 58}
